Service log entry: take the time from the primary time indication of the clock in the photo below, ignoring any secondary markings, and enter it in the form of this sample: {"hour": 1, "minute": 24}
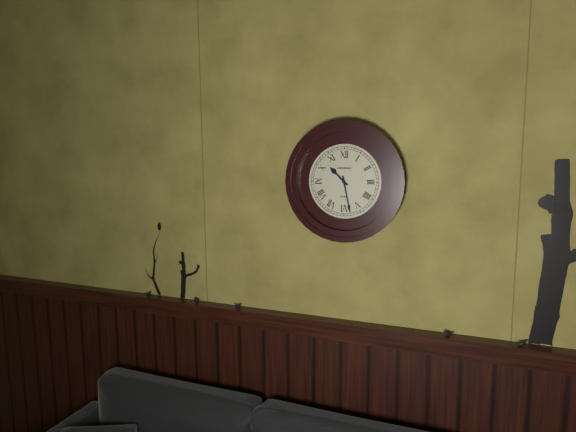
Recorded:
{"hour": 10, "minute": 28}
